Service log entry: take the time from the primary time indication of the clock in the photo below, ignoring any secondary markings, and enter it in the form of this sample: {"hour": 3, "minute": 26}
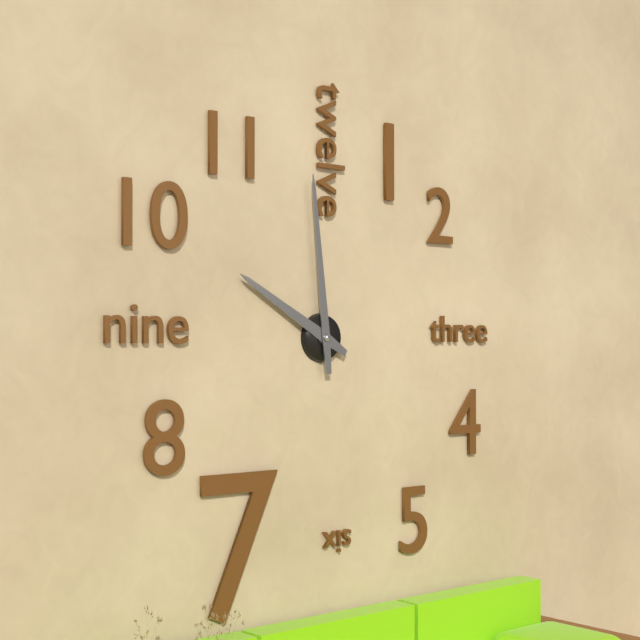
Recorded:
{"hour": 9, "minute": 59}
